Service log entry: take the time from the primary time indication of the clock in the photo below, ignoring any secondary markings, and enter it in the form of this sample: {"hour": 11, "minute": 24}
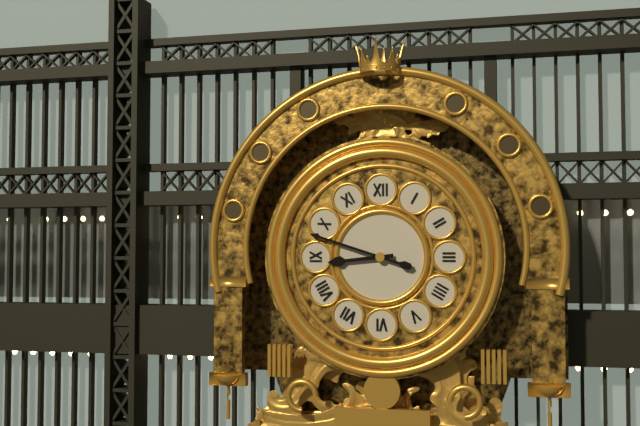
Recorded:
{"hour": 8, "minute": 48}
